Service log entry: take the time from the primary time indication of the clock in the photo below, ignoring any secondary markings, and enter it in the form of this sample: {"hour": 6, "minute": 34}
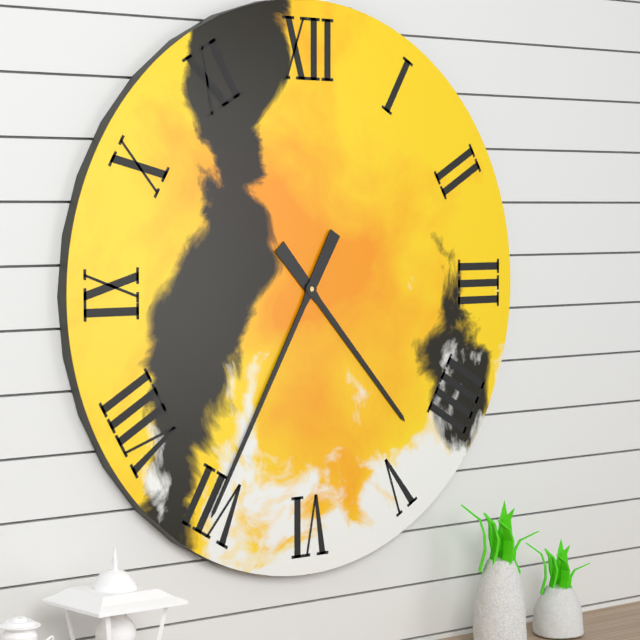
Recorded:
{"hour": 4, "minute": 35}
